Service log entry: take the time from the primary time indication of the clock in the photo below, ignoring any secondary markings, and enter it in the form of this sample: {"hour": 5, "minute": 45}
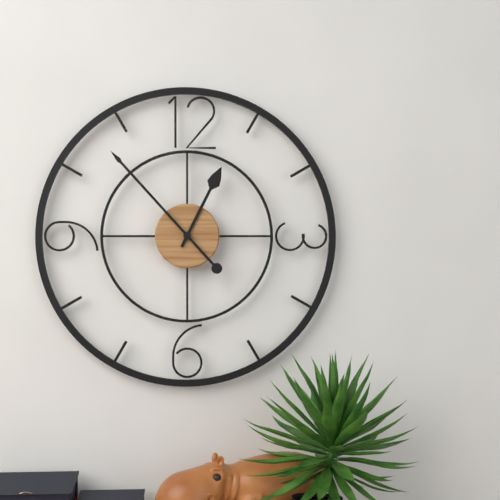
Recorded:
{"hour": 12, "minute": 53}
